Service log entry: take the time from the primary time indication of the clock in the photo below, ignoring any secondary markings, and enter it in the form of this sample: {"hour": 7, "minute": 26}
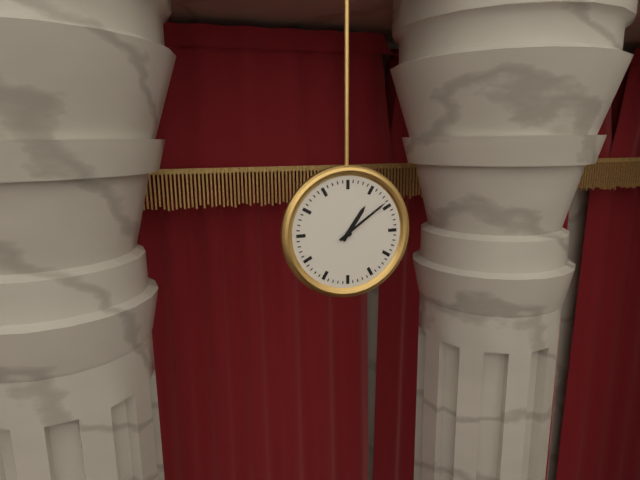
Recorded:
{"hour": 1, "minute": 9}
